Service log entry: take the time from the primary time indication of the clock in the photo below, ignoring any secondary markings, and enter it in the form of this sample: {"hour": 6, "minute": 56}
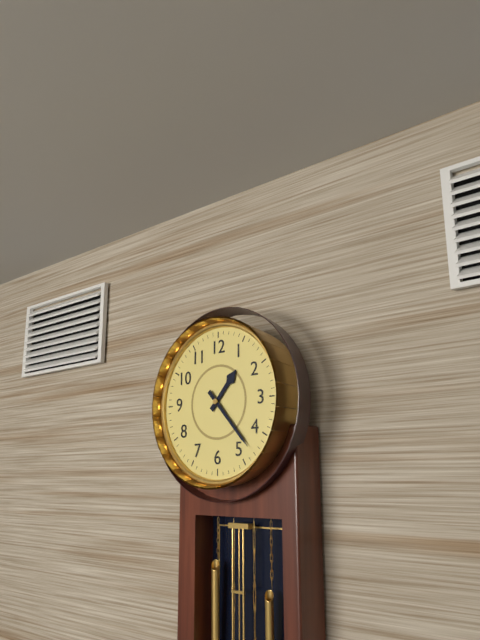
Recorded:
{"hour": 1, "minute": 23}
